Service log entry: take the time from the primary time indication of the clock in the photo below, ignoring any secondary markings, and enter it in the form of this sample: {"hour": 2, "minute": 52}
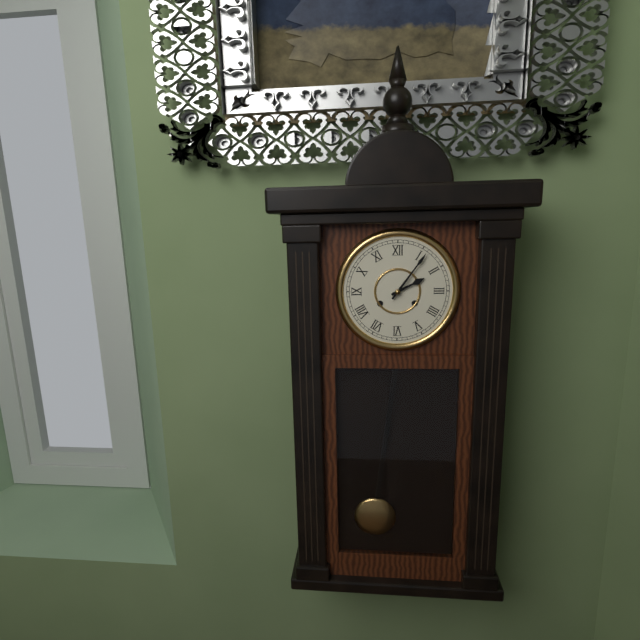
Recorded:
{"hour": 2, "minute": 6}
